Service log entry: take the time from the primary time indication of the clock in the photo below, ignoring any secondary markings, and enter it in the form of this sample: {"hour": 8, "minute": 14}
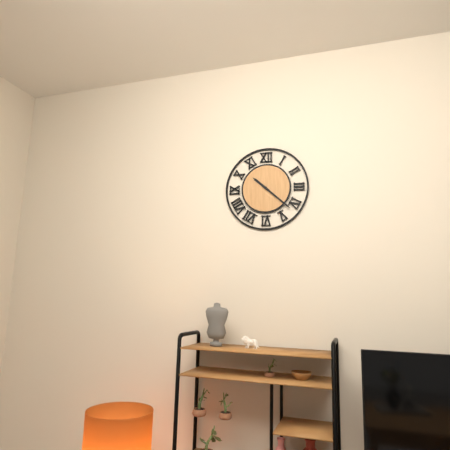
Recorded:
{"hour": 10, "minute": 22}
